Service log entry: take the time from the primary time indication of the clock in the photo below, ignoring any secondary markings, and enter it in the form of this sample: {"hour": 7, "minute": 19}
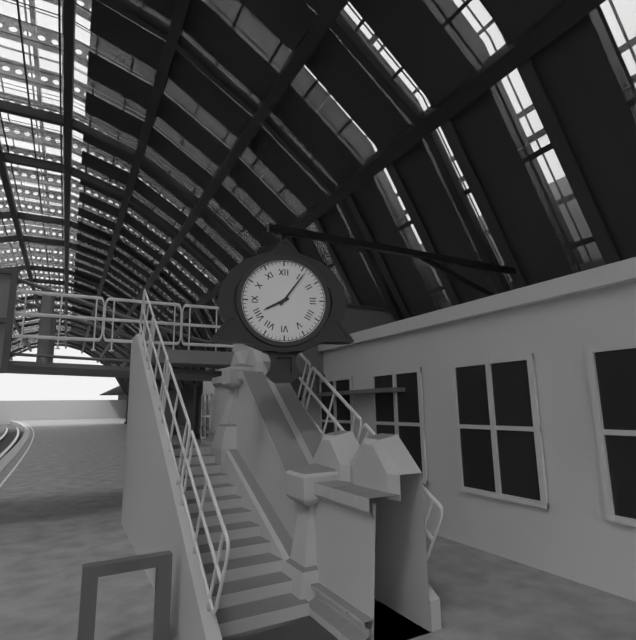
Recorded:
{"hour": 8, "minute": 6}
